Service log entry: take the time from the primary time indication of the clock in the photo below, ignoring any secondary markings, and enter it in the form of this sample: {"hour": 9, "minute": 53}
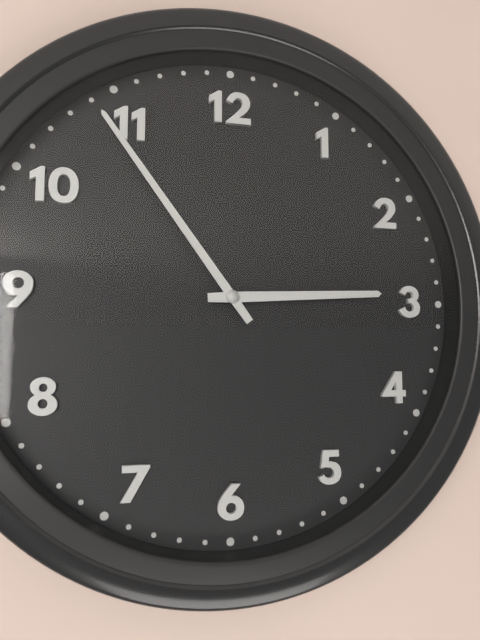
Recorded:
{"hour": 2, "minute": 54}
